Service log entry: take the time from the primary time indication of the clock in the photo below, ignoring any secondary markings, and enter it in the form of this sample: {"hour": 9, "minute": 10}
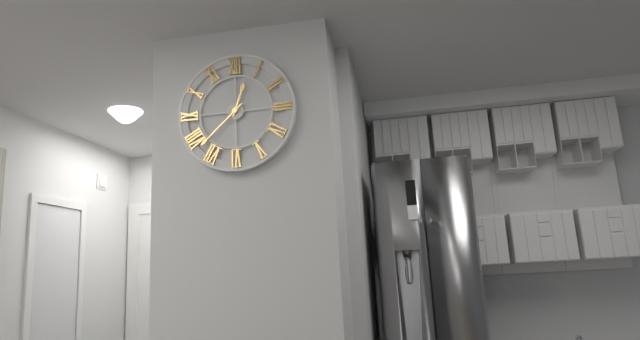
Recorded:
{"hour": 12, "minute": 38}
